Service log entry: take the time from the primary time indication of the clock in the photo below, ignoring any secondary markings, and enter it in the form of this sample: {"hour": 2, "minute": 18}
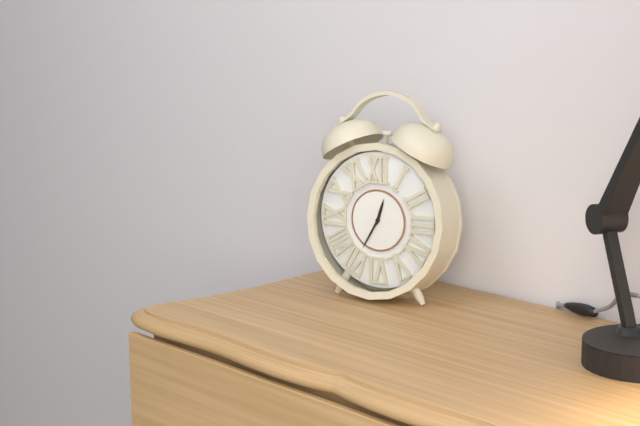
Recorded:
{"hour": 12, "minute": 35}
